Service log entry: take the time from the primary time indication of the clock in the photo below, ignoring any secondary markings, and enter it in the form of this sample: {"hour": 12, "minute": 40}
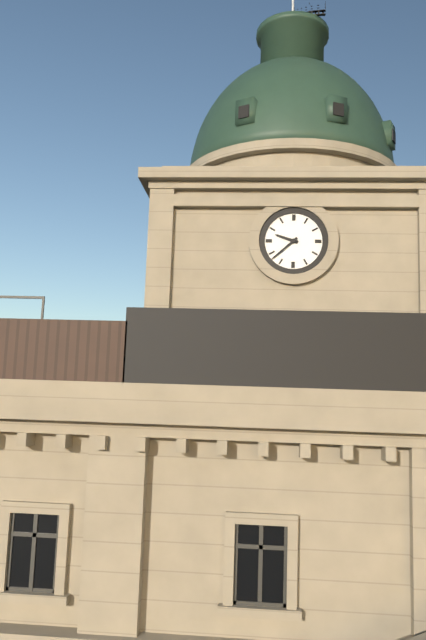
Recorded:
{"hour": 9, "minute": 38}
